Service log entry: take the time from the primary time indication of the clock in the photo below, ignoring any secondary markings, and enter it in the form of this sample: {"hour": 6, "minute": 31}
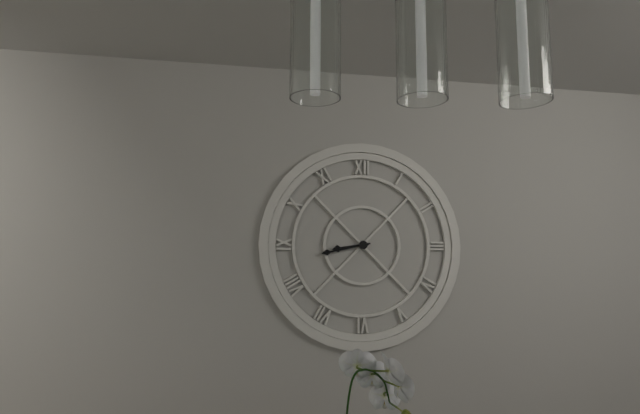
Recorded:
{"hour": 8, "minute": 43}
